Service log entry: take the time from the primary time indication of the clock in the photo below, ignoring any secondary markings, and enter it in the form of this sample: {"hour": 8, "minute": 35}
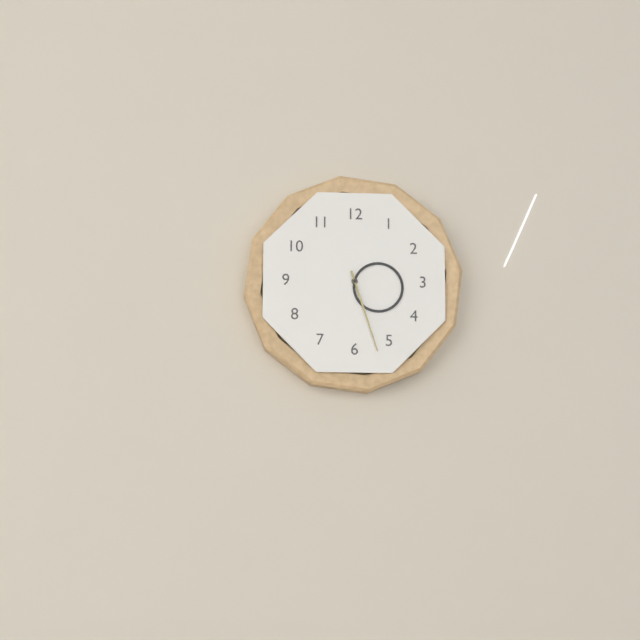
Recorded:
{"hour": 3, "minute": 27}
